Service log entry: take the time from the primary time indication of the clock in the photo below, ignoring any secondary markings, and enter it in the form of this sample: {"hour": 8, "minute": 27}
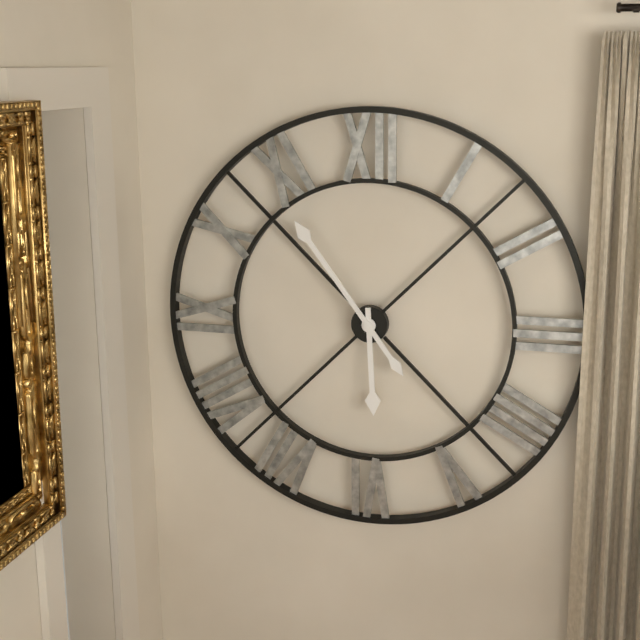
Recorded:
{"hour": 5, "minute": 54}
